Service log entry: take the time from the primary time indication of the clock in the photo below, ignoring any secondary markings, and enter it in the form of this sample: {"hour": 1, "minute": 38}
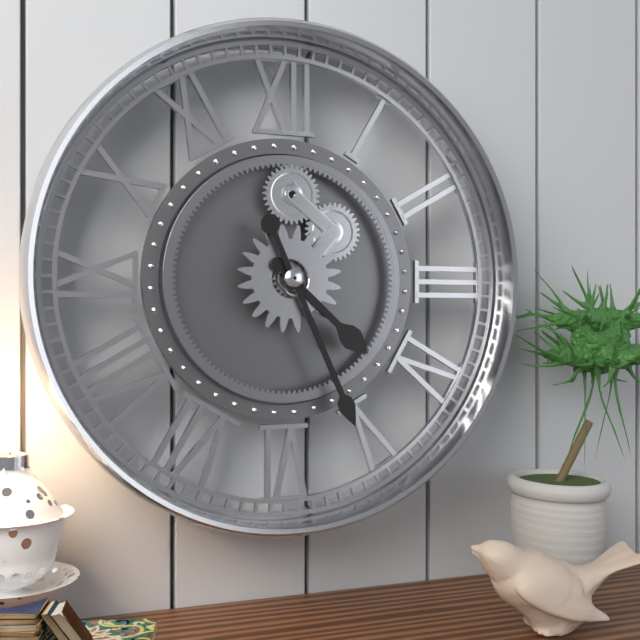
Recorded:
{"hour": 4, "minute": 26}
